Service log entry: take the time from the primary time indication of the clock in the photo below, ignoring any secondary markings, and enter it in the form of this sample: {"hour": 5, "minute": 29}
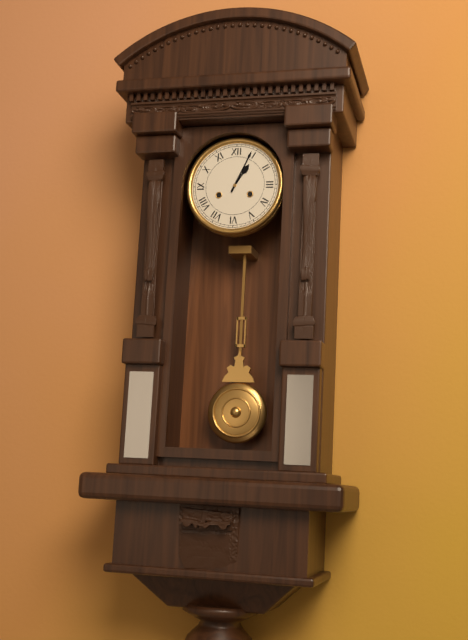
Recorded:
{"hour": 1, "minute": 4}
